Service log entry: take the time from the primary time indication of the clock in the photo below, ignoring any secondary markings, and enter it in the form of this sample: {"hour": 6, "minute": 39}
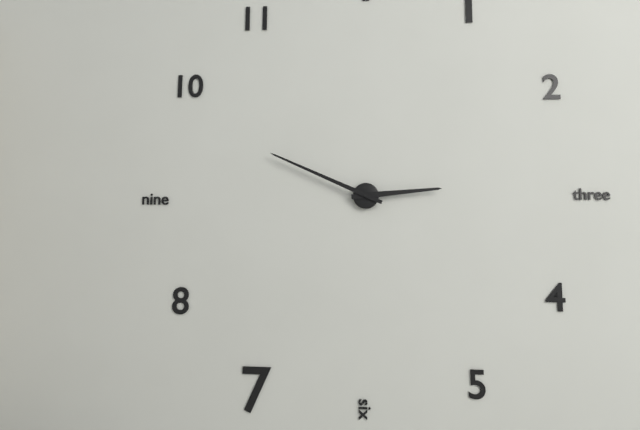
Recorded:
{"hour": 2, "minute": 49}
